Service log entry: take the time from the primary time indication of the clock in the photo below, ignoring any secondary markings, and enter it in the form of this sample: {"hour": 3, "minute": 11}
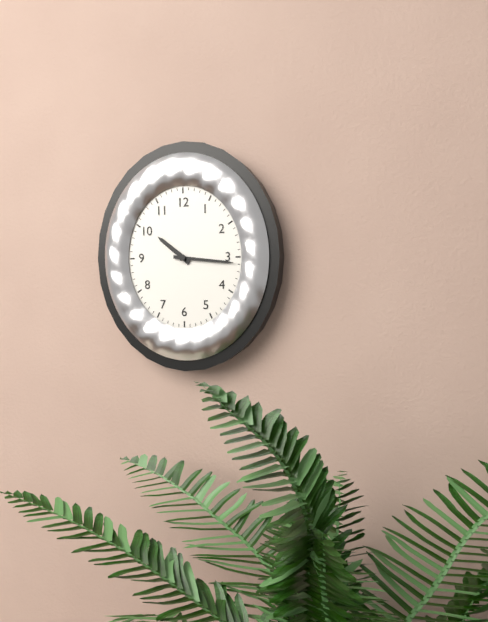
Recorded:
{"hour": 10, "minute": 16}
